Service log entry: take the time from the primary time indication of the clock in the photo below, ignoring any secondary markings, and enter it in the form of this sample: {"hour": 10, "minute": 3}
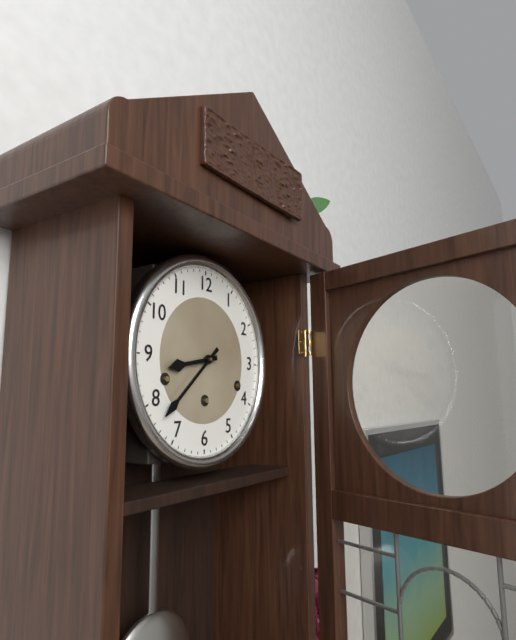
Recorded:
{"hour": 8, "minute": 38}
